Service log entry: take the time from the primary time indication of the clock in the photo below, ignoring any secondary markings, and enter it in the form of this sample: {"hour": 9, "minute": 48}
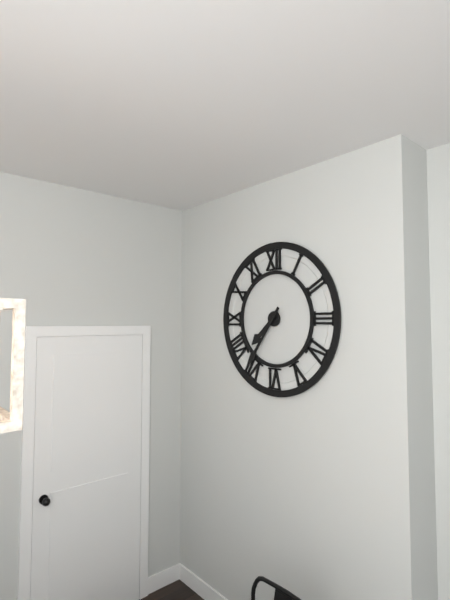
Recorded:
{"hour": 7, "minute": 36}
